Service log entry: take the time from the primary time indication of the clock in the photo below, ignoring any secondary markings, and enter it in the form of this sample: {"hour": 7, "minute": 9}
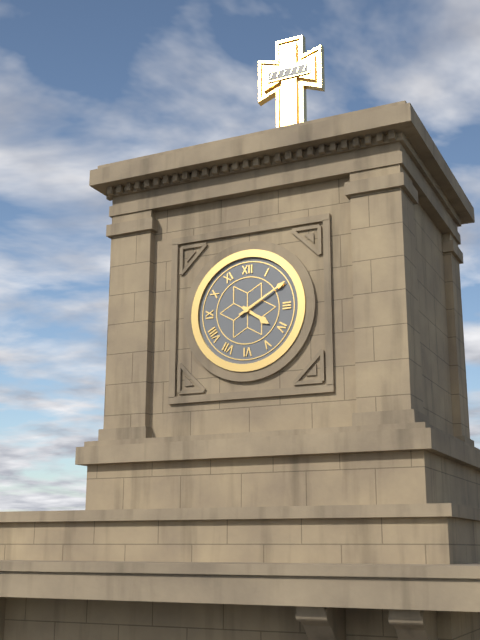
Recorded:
{"hour": 4, "minute": 10}
